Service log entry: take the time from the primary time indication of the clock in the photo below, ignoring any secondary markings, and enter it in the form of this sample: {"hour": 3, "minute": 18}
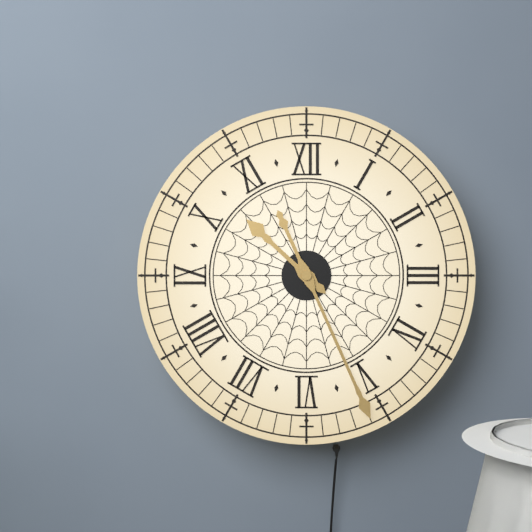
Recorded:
{"hour": 10, "minute": 26}
